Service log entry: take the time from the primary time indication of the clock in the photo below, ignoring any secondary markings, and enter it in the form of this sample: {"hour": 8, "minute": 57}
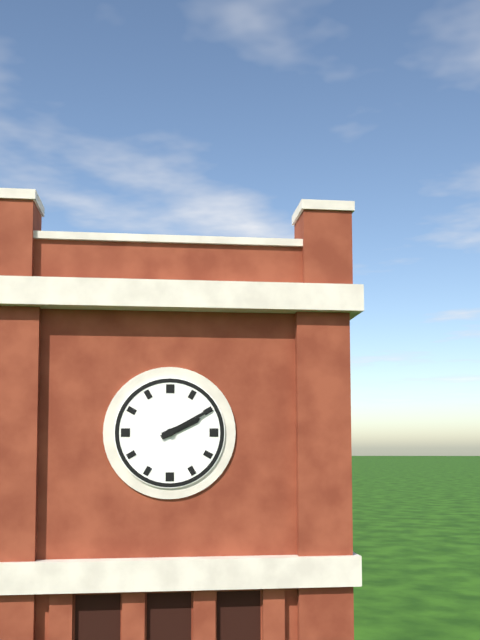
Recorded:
{"hour": 2, "minute": 10}
